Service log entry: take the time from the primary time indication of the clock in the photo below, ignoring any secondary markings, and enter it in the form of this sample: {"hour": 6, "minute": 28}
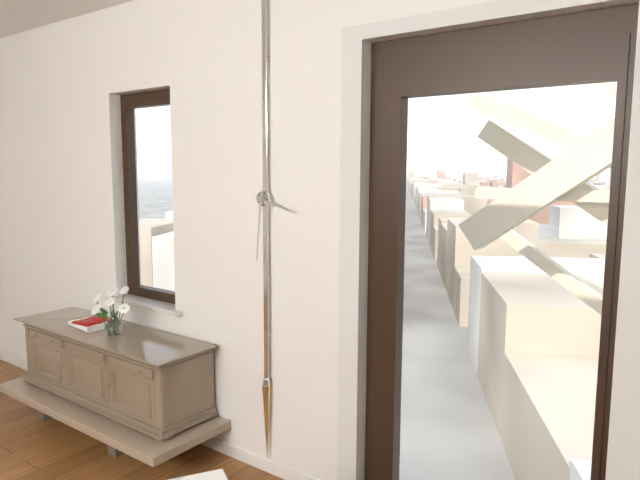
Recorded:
{"hour": 3, "minute": 31}
